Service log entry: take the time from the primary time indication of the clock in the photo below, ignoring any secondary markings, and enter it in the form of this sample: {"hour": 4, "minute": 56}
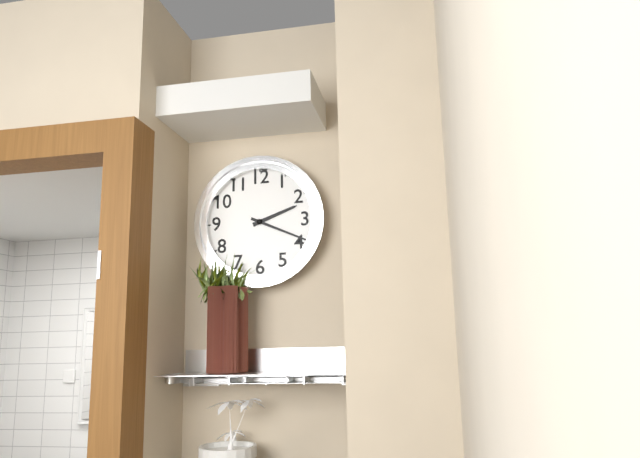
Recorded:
{"hour": 2, "minute": 19}
